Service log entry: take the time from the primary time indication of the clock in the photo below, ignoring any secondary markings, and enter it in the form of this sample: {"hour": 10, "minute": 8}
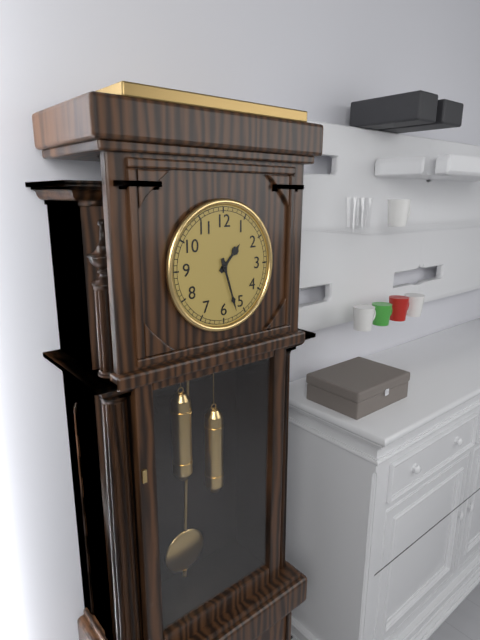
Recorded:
{"hour": 1, "minute": 27}
